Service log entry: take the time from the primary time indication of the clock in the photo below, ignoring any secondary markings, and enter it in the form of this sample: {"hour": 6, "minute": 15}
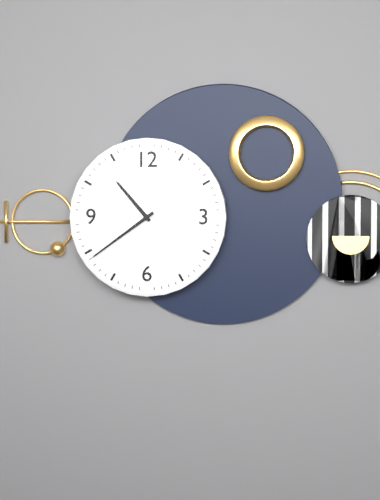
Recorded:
{"hour": 10, "minute": 39}
